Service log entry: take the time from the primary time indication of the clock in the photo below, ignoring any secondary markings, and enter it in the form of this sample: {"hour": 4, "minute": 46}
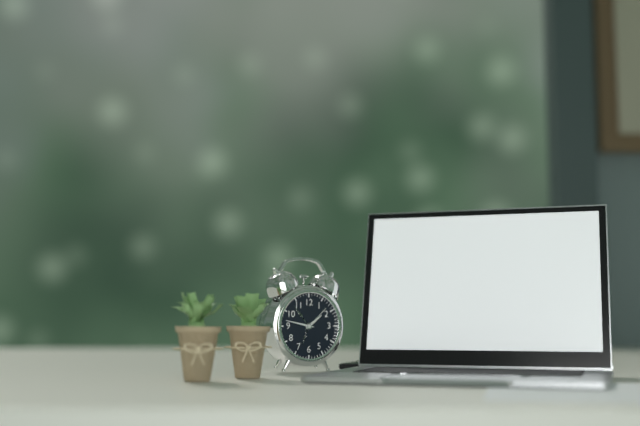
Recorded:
{"hour": 1, "minute": 47}
